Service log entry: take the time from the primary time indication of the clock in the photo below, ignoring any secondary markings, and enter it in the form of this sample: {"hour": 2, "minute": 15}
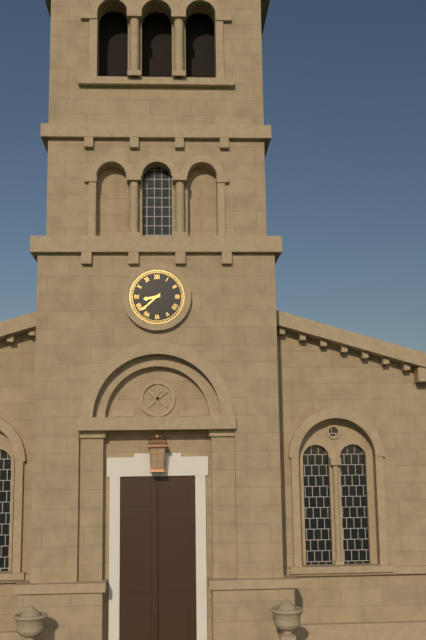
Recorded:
{"hour": 8, "minute": 38}
